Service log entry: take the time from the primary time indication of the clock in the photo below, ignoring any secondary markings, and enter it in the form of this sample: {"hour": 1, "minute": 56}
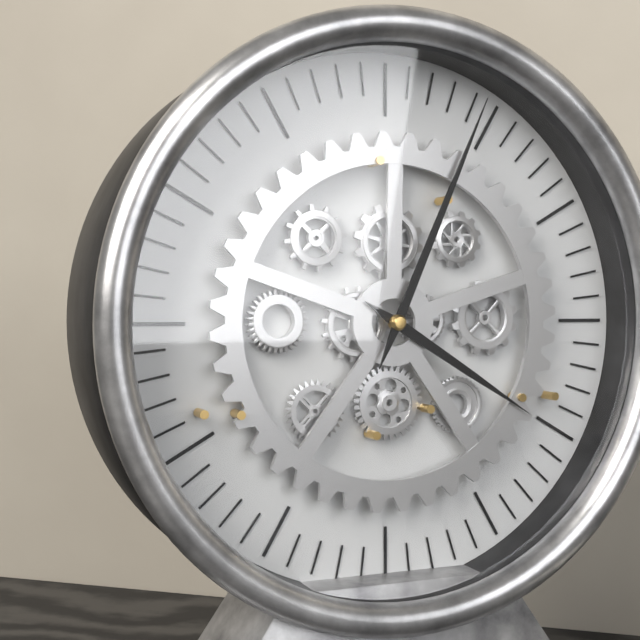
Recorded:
{"hour": 4, "minute": 4}
